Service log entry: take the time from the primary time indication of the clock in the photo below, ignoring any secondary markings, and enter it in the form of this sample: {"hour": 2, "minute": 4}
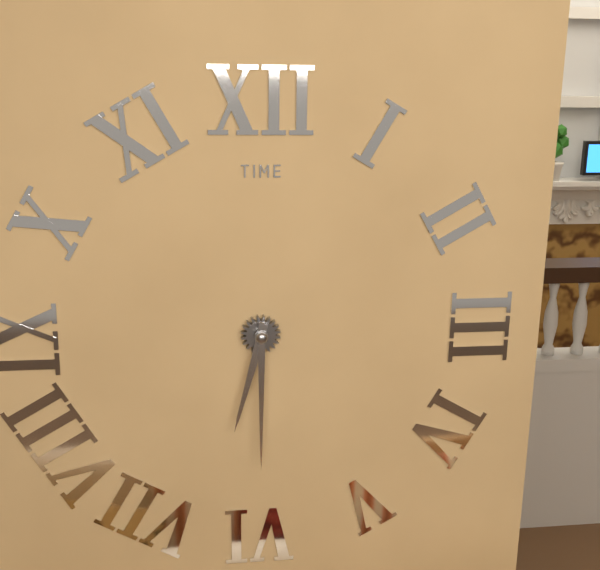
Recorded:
{"hour": 6, "minute": 30}
